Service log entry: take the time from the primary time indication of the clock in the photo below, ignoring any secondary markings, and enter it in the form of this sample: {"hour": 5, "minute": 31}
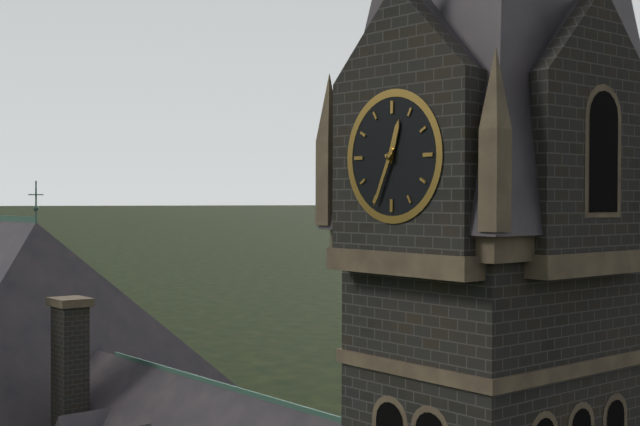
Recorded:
{"hour": 12, "minute": 34}
